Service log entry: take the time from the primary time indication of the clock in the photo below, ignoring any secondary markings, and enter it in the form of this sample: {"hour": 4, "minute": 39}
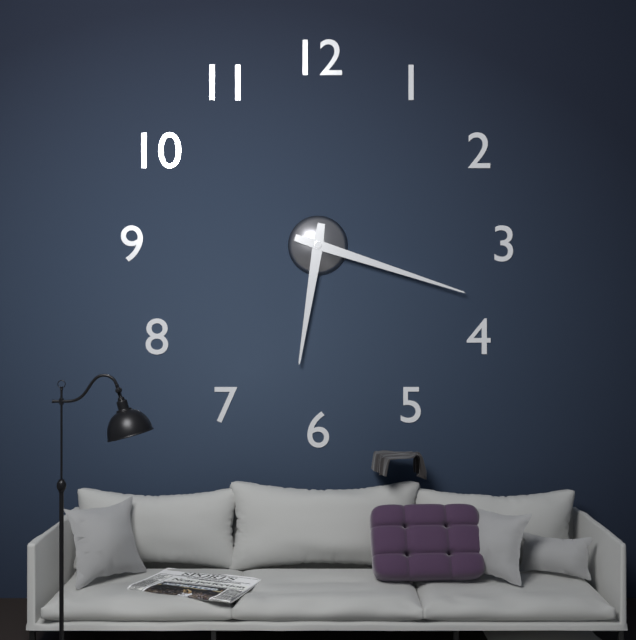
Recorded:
{"hour": 6, "minute": 18}
